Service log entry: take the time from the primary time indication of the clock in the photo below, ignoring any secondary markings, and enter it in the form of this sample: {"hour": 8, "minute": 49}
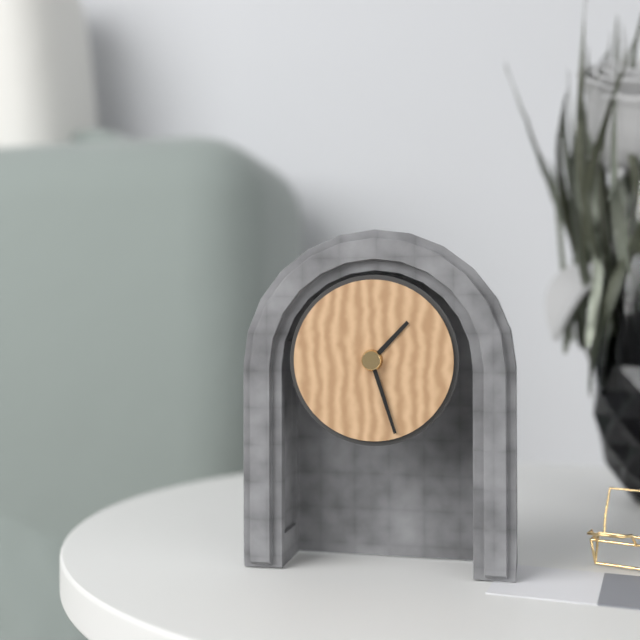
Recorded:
{"hour": 1, "minute": 27}
